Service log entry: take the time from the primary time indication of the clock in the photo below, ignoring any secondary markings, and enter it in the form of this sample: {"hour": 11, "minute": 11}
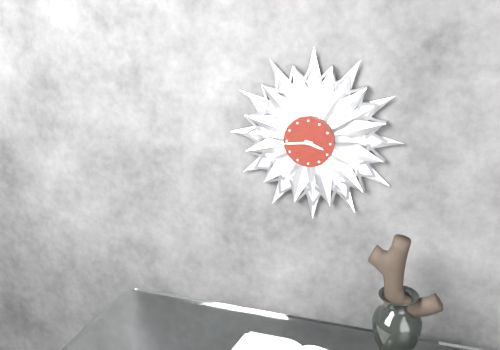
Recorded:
{"hour": 3, "minute": 44}
